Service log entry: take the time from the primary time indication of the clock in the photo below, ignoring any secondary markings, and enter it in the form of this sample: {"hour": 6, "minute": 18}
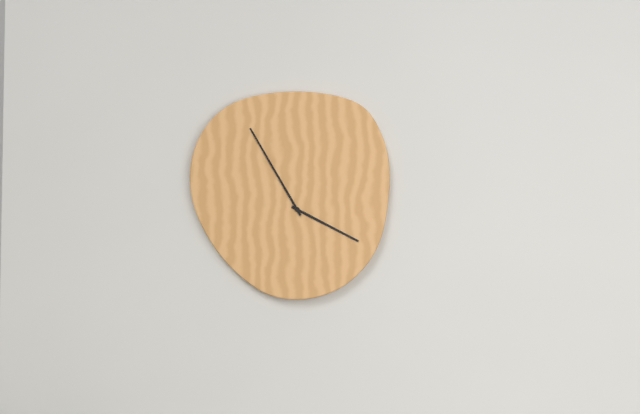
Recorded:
{"hour": 3, "minute": 55}
